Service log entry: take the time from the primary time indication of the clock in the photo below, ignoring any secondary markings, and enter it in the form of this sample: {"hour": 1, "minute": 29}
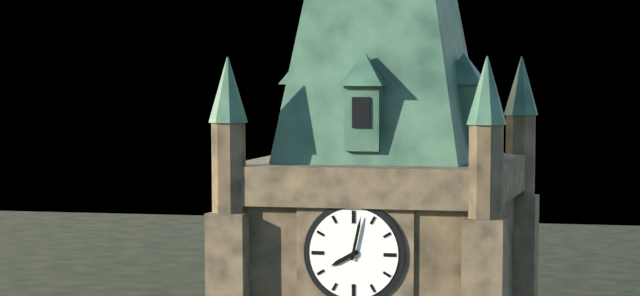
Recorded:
{"hour": 8, "minute": 2}
